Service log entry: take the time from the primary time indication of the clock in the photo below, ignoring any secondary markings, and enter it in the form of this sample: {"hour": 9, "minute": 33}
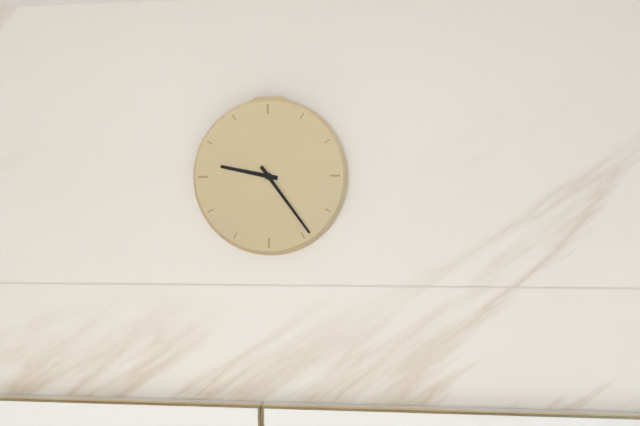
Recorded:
{"hour": 9, "minute": 24}
